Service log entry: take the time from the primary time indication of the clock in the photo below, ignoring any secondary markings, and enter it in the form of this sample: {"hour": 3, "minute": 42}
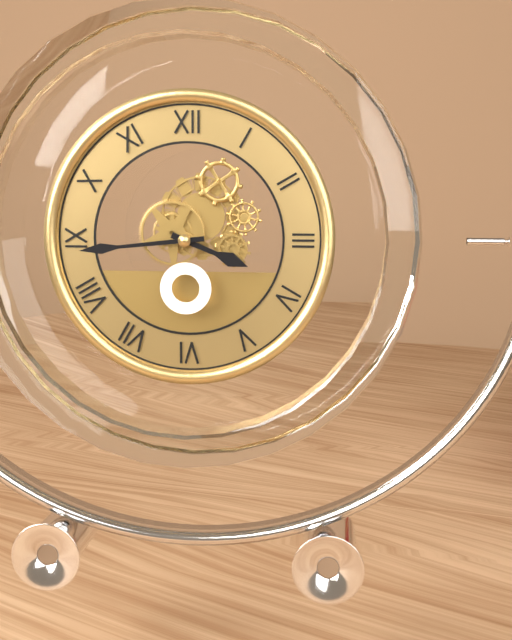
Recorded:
{"hour": 3, "minute": 44}
